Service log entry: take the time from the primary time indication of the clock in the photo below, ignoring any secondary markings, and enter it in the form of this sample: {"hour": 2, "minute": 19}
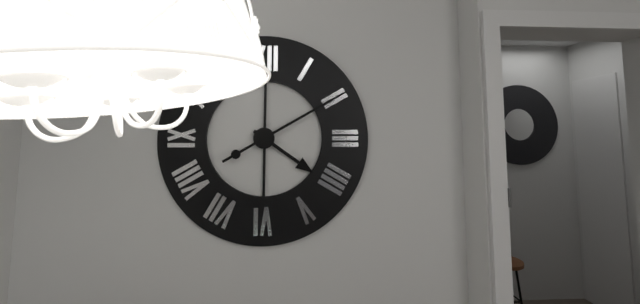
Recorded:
{"hour": 4, "minute": 10}
